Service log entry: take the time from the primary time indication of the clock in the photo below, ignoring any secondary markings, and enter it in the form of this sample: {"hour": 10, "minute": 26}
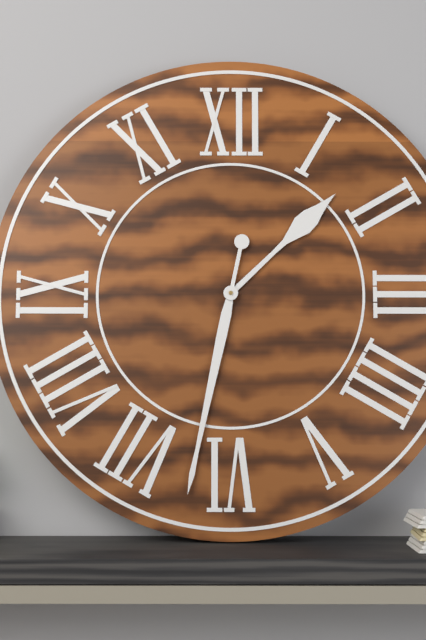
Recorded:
{"hour": 1, "minute": 32}
